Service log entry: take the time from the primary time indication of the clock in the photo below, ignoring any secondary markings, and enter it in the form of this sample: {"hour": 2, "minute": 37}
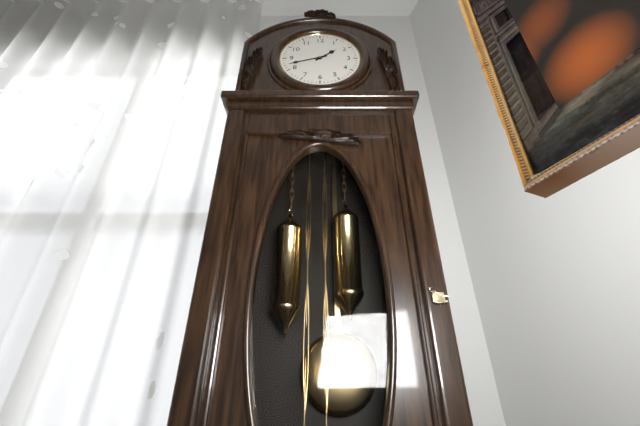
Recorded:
{"hour": 1, "minute": 42}
